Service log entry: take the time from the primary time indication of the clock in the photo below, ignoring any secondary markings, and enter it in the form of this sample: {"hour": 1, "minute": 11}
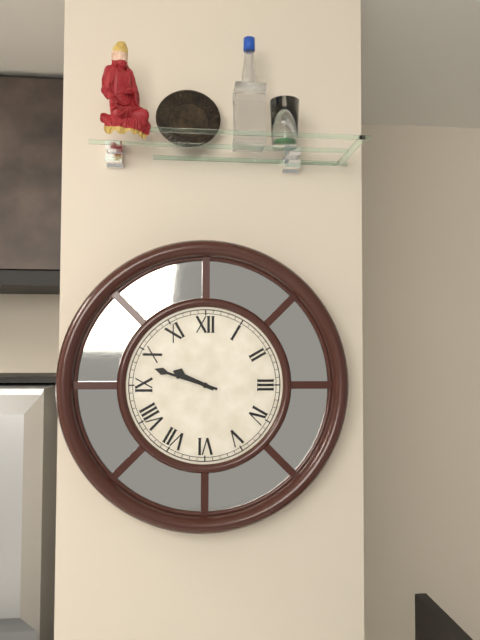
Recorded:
{"hour": 9, "minute": 48}
